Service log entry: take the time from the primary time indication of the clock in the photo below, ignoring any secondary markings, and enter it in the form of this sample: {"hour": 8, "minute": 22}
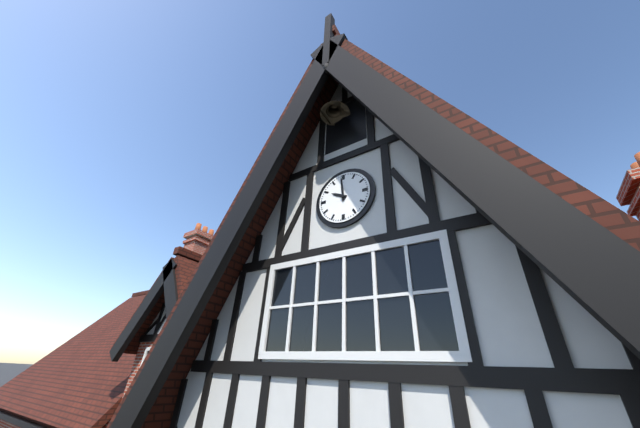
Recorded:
{"hour": 9, "minute": 59}
